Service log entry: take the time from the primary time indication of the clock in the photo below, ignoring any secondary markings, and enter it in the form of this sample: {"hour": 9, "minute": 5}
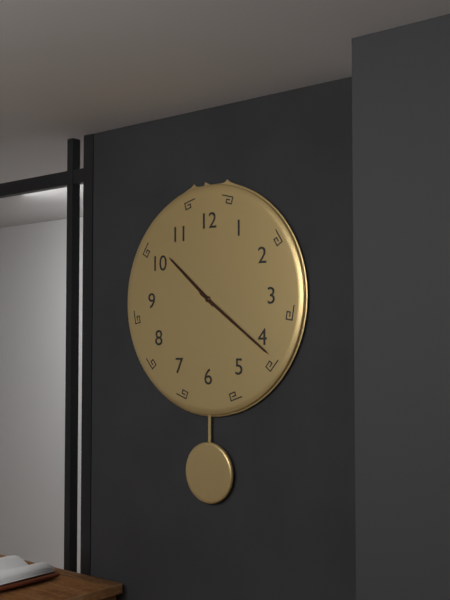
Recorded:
{"hour": 10, "minute": 21}
